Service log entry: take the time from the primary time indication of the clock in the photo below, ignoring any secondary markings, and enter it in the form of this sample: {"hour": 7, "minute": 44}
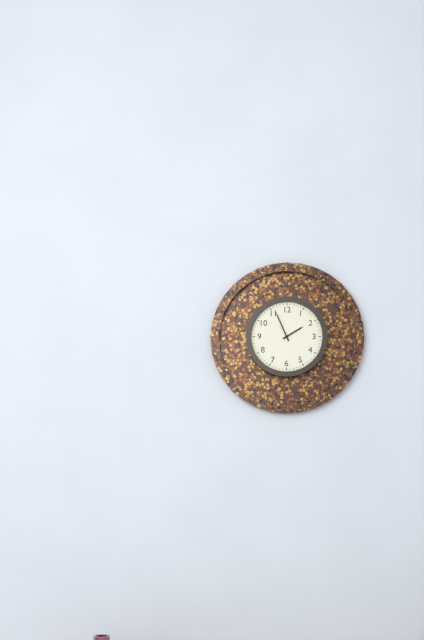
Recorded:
{"hour": 1, "minute": 56}
